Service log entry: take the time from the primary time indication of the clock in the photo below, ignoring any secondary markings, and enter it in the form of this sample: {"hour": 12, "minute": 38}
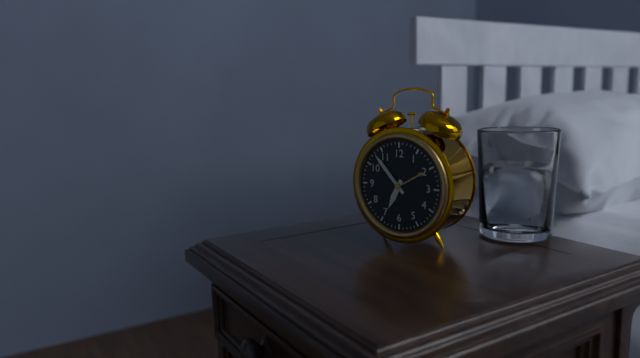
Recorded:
{"hour": 6, "minute": 53}
